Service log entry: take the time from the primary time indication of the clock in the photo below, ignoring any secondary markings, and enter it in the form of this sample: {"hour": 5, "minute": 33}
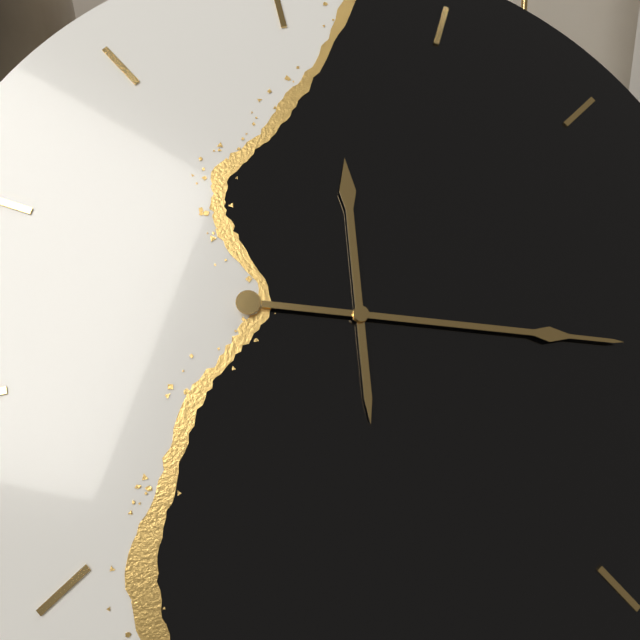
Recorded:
{"hour": 12, "minute": 18}
